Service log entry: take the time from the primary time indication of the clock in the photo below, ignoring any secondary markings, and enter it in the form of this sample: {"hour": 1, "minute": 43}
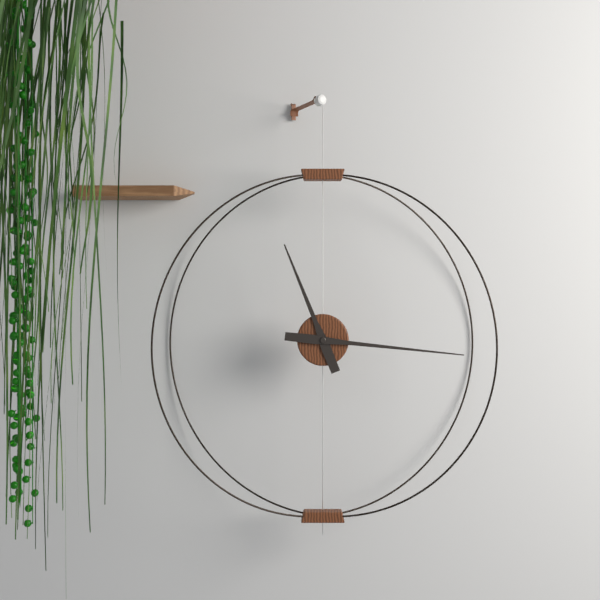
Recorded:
{"hour": 11, "minute": 16}
